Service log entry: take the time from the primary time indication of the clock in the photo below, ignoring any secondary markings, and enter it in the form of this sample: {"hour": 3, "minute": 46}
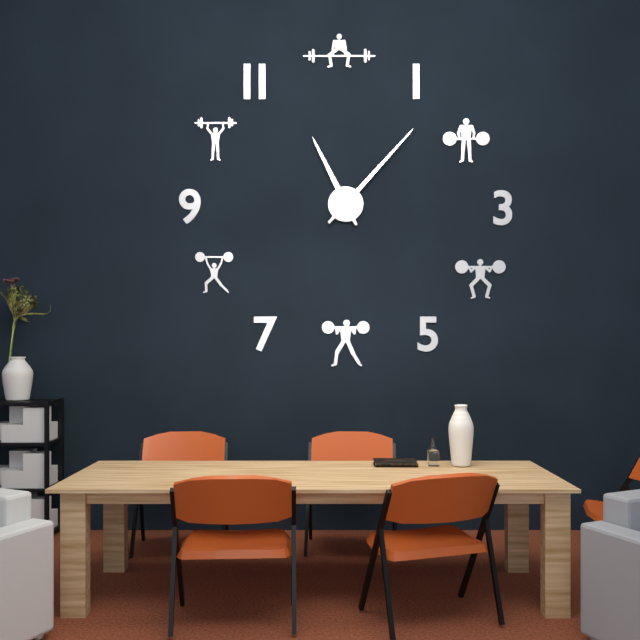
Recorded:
{"hour": 11, "minute": 7}
